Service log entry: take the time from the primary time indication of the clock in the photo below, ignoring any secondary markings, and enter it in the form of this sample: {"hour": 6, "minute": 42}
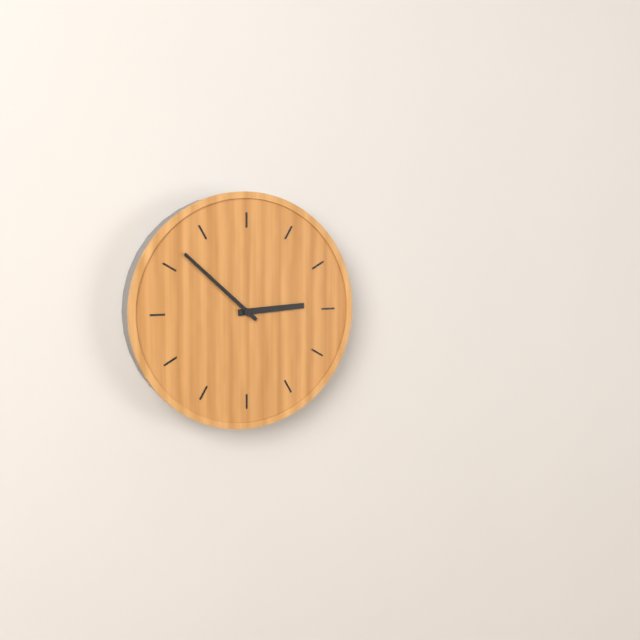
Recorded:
{"hour": 2, "minute": 52}
